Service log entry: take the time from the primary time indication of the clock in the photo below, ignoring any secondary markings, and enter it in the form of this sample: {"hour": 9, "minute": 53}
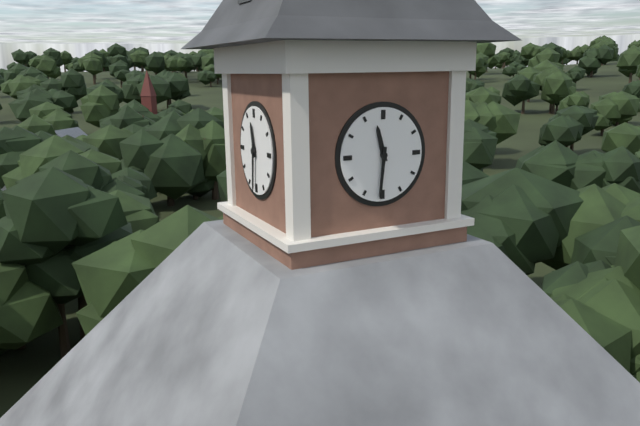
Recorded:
{"hour": 11, "minute": 31}
